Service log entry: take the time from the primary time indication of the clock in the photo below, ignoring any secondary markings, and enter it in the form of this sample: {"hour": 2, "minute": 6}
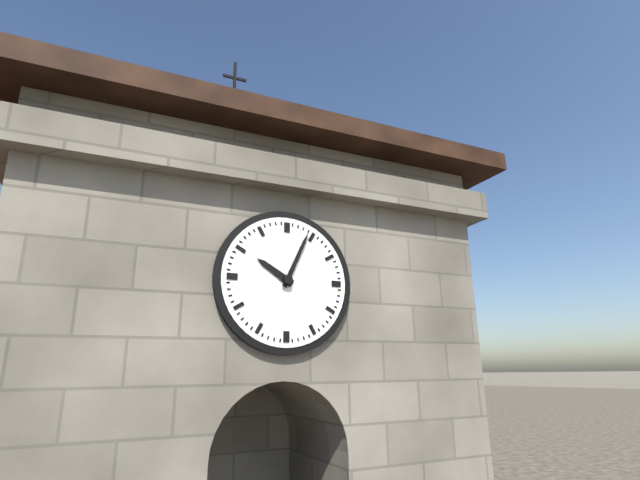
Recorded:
{"hour": 10, "minute": 4}
